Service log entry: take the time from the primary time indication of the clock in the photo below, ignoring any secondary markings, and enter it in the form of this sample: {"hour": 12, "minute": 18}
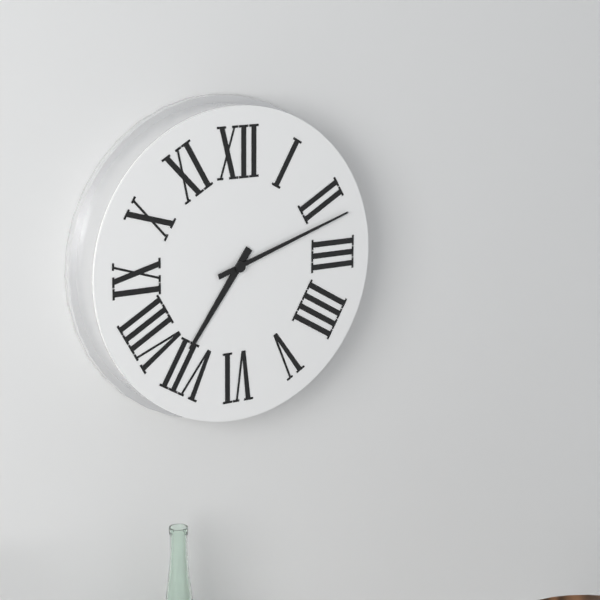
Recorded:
{"hour": 7, "minute": 12}
